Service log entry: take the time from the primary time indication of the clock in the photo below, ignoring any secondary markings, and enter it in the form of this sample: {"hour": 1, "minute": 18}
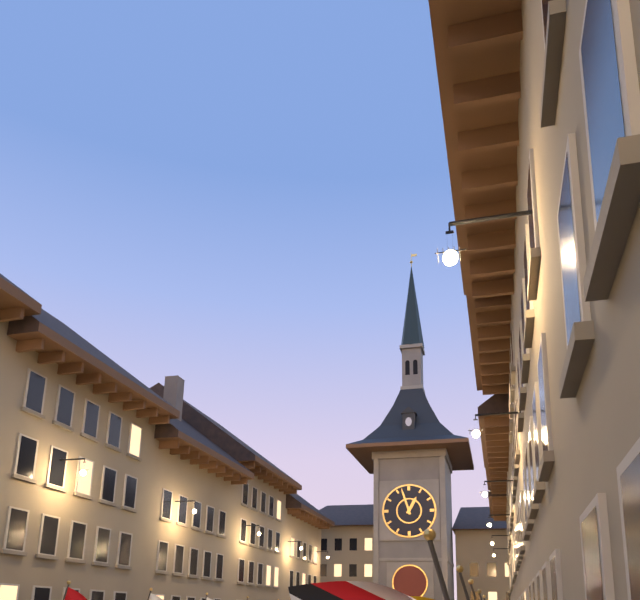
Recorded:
{"hour": 12, "minute": 57}
